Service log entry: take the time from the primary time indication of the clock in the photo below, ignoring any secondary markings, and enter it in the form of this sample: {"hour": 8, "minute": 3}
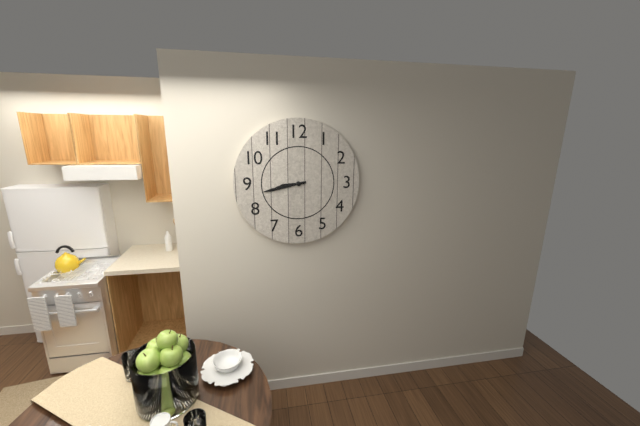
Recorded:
{"hour": 8, "minute": 43}
